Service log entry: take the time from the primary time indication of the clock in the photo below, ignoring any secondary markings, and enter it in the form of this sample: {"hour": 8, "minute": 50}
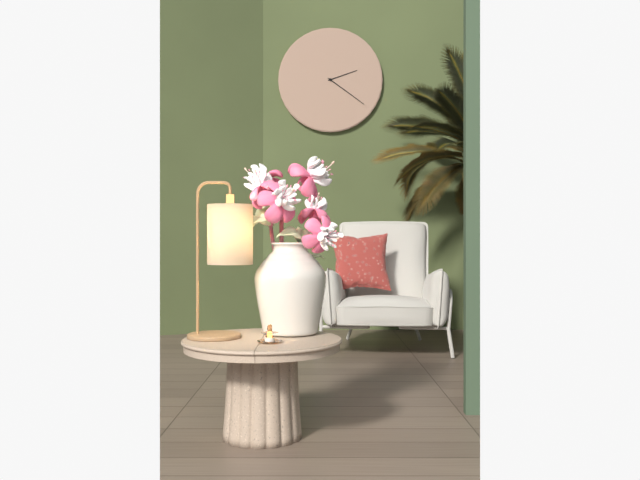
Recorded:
{"hour": 2, "minute": 21}
